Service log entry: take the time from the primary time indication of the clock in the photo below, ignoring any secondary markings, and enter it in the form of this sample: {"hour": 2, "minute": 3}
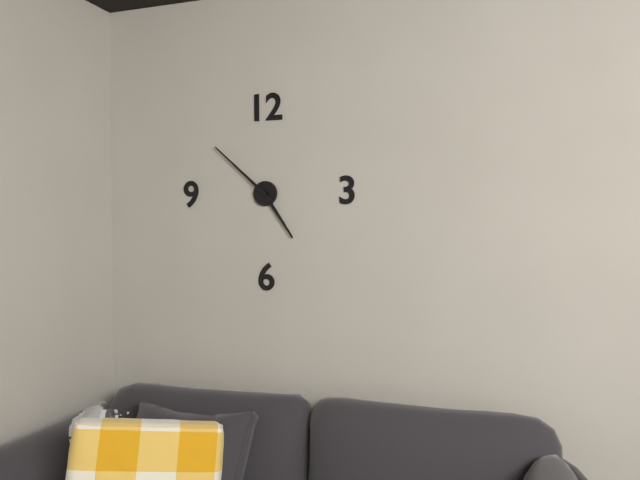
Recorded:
{"hour": 4, "minute": 52}
